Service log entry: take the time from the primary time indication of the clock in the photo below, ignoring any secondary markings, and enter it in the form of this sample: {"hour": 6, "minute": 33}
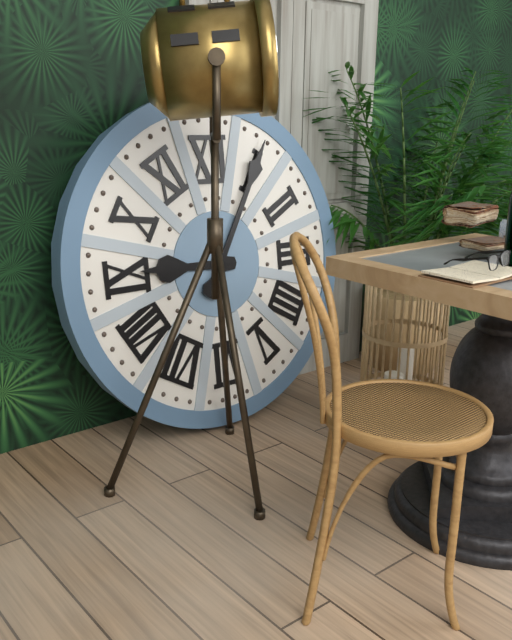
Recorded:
{"hour": 9, "minute": 5}
